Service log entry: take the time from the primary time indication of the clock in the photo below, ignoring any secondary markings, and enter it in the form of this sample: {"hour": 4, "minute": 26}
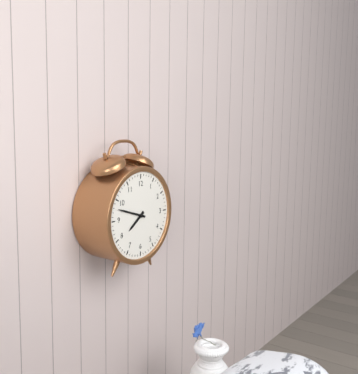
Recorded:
{"hour": 7, "minute": 48}
